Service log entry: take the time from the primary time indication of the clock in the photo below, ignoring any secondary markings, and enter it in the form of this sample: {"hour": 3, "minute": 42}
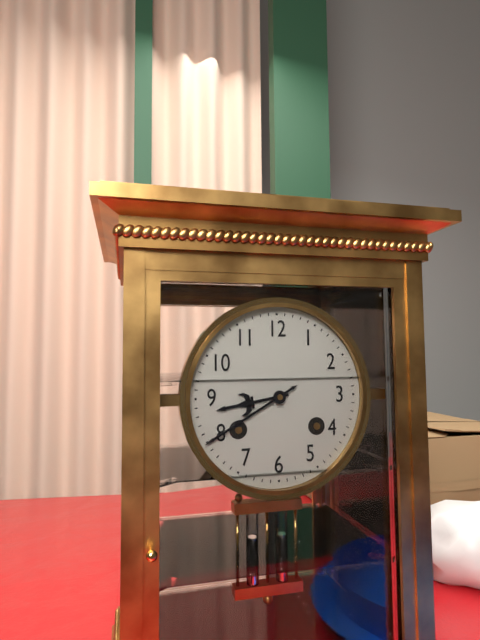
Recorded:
{"hour": 8, "minute": 40}
